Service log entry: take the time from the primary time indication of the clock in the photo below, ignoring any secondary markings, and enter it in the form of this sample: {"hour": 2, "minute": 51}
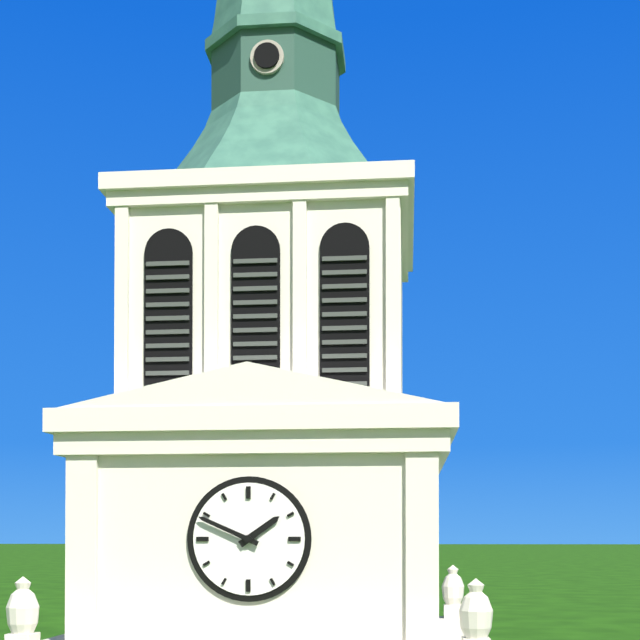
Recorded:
{"hour": 1, "minute": 49}
